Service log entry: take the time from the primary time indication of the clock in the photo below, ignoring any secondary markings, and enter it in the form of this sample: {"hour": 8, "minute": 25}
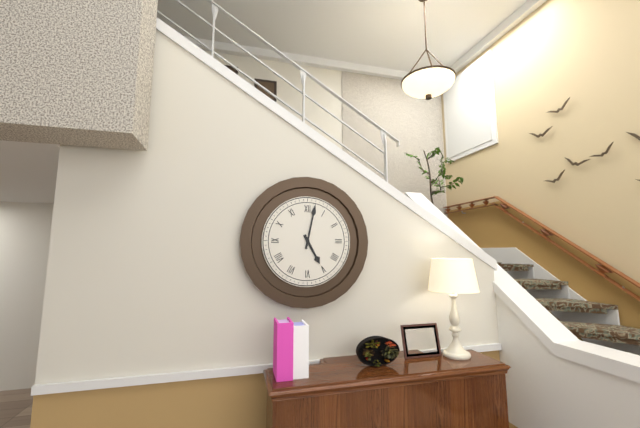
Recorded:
{"hour": 5, "minute": 2}
